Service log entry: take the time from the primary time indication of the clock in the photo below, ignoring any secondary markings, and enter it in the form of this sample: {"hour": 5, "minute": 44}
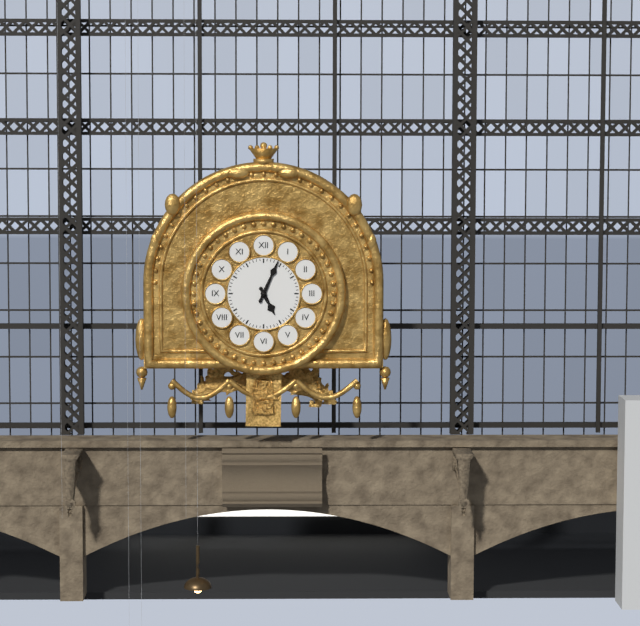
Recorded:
{"hour": 5, "minute": 4}
